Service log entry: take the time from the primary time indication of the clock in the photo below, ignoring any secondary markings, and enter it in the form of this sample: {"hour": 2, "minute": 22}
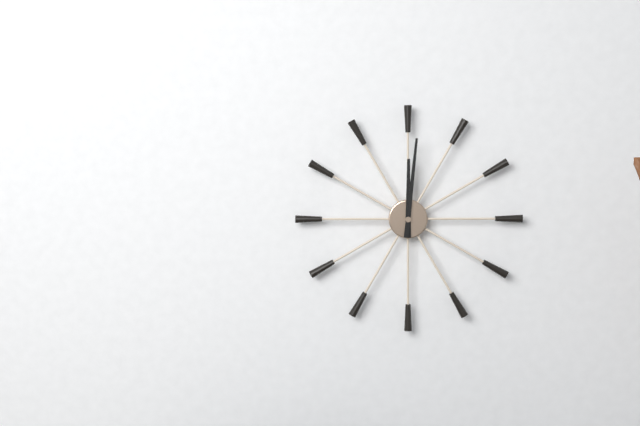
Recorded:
{"hour": 12, "minute": 1}
